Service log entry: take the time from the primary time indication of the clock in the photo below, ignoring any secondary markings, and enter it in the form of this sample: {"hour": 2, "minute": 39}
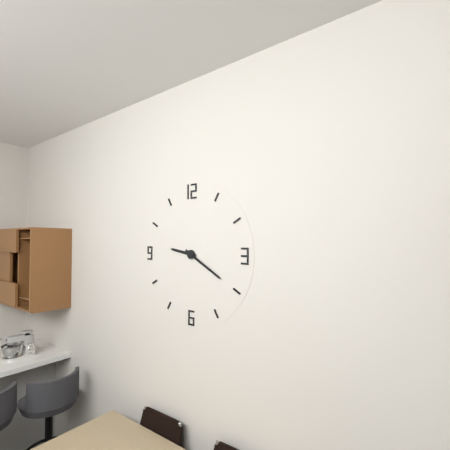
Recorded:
{"hour": 9, "minute": 20}
